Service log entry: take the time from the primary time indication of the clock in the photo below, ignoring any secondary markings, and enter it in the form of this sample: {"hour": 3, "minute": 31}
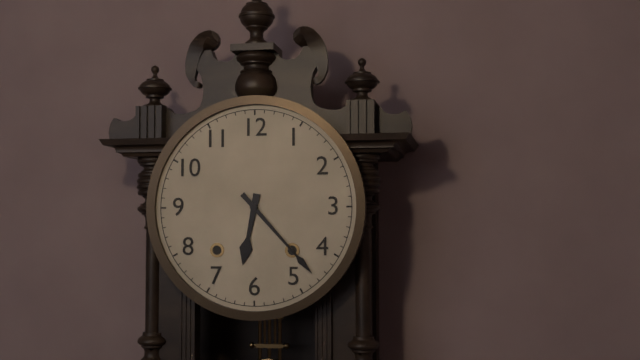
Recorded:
{"hour": 6, "minute": 23}
